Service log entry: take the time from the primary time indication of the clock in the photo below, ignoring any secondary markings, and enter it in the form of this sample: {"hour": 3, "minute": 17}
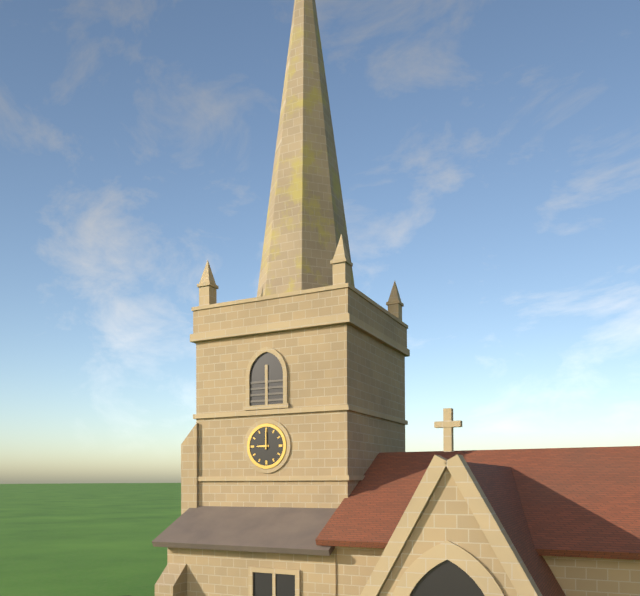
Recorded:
{"hour": 9, "minute": 0}
